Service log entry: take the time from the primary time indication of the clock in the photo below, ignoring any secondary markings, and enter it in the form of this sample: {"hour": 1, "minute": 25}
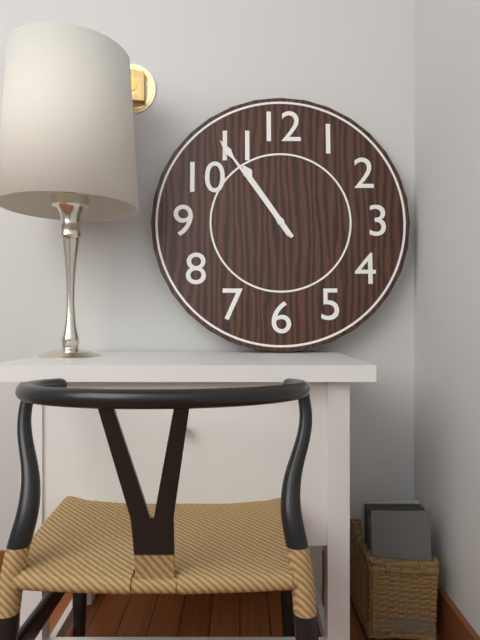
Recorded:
{"hour": 10, "minute": 54}
